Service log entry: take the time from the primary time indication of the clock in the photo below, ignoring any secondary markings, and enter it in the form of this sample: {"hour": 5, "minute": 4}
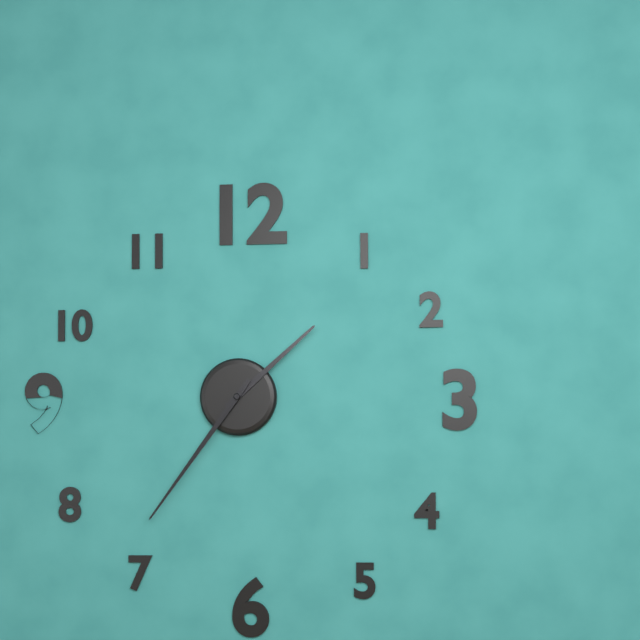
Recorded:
{"hour": 1, "minute": 36}
